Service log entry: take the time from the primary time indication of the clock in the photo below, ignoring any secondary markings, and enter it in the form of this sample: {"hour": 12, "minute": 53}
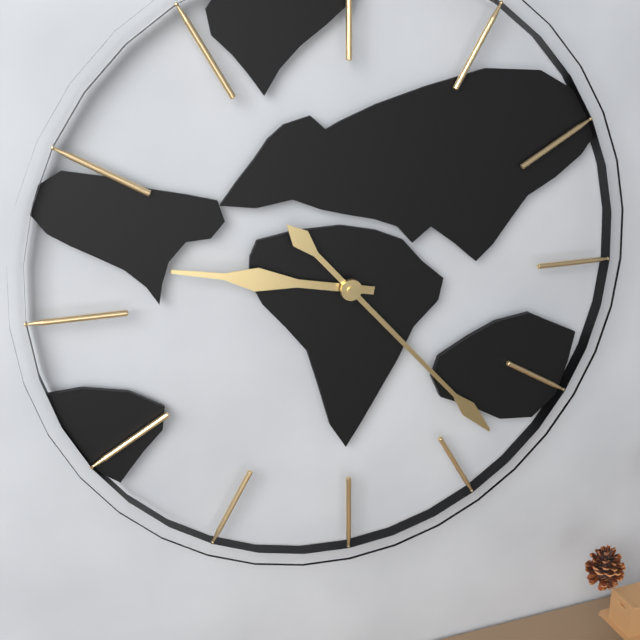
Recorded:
{"hour": 9, "minute": 23}
